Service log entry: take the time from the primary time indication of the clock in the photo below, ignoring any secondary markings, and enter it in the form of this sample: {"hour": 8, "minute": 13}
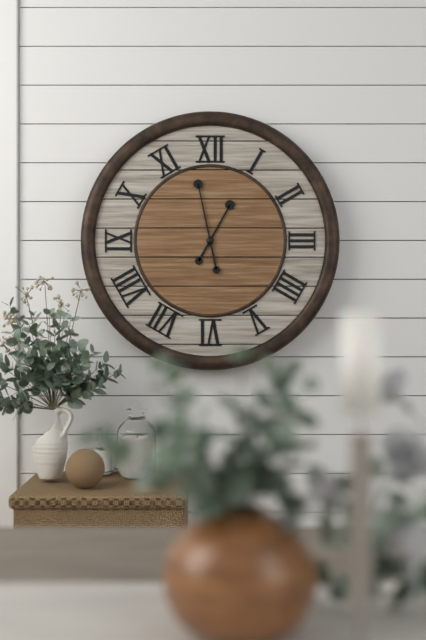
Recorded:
{"hour": 12, "minute": 58}
